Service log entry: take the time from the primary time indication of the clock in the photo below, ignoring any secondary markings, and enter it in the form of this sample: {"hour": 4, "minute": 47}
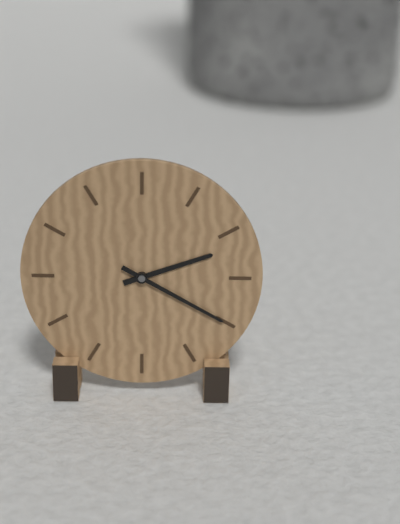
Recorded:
{"hour": 2, "minute": 20}
